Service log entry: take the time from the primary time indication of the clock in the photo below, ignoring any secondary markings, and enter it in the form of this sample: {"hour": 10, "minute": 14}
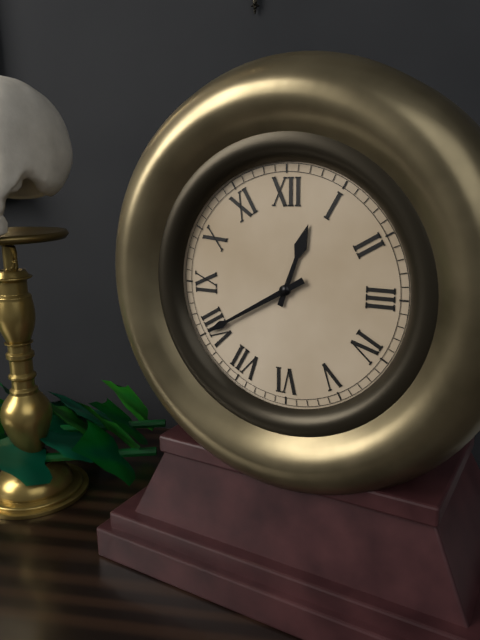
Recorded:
{"hour": 12, "minute": 40}
